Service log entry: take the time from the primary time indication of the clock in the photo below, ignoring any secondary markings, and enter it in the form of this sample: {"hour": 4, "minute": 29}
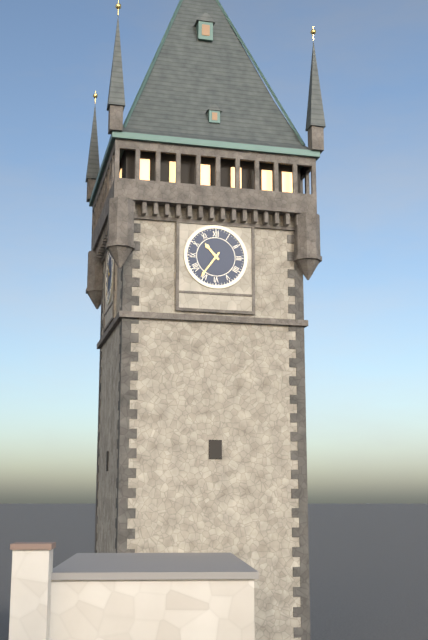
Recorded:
{"hour": 10, "minute": 36}
